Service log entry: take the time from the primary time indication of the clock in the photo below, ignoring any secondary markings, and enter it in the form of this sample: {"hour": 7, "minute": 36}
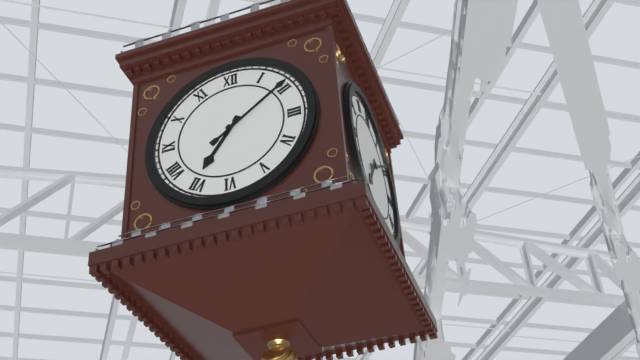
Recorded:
{"hour": 7, "minute": 9}
